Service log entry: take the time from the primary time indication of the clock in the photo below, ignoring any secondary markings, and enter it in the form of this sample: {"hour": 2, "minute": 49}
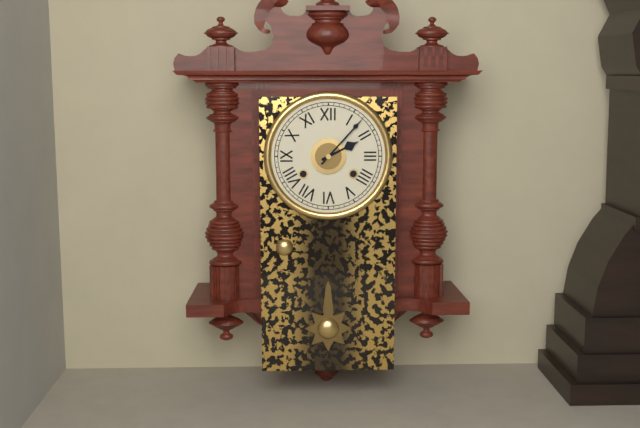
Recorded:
{"hour": 2, "minute": 7}
